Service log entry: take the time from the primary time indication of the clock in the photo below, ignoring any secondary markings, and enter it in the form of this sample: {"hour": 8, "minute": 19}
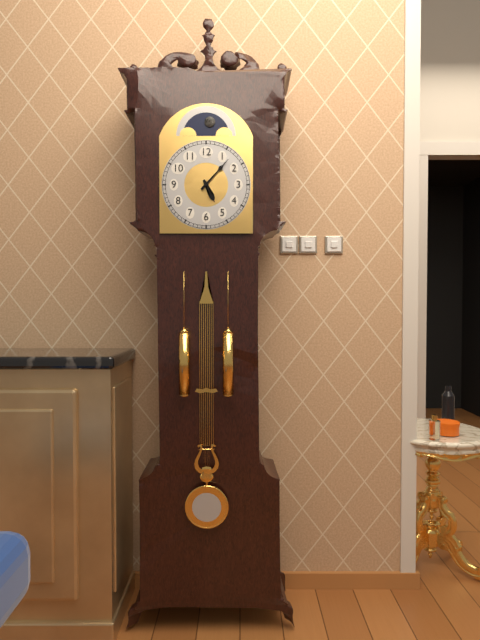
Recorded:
{"hour": 5, "minute": 7}
